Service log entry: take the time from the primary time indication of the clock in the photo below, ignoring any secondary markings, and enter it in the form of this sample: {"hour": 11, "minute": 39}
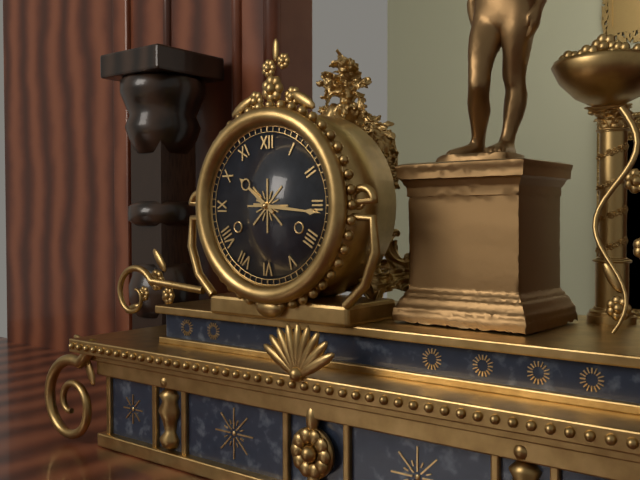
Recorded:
{"hour": 10, "minute": 16}
